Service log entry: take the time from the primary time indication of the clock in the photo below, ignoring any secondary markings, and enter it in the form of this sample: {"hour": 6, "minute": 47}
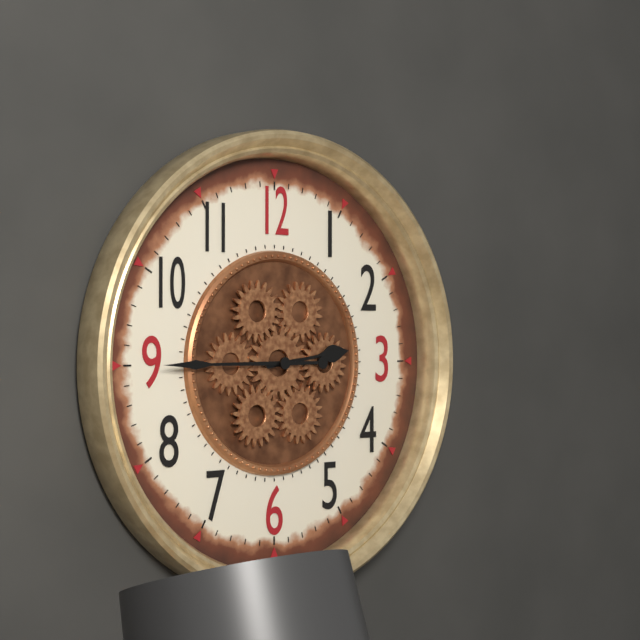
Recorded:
{"hour": 2, "minute": 45}
